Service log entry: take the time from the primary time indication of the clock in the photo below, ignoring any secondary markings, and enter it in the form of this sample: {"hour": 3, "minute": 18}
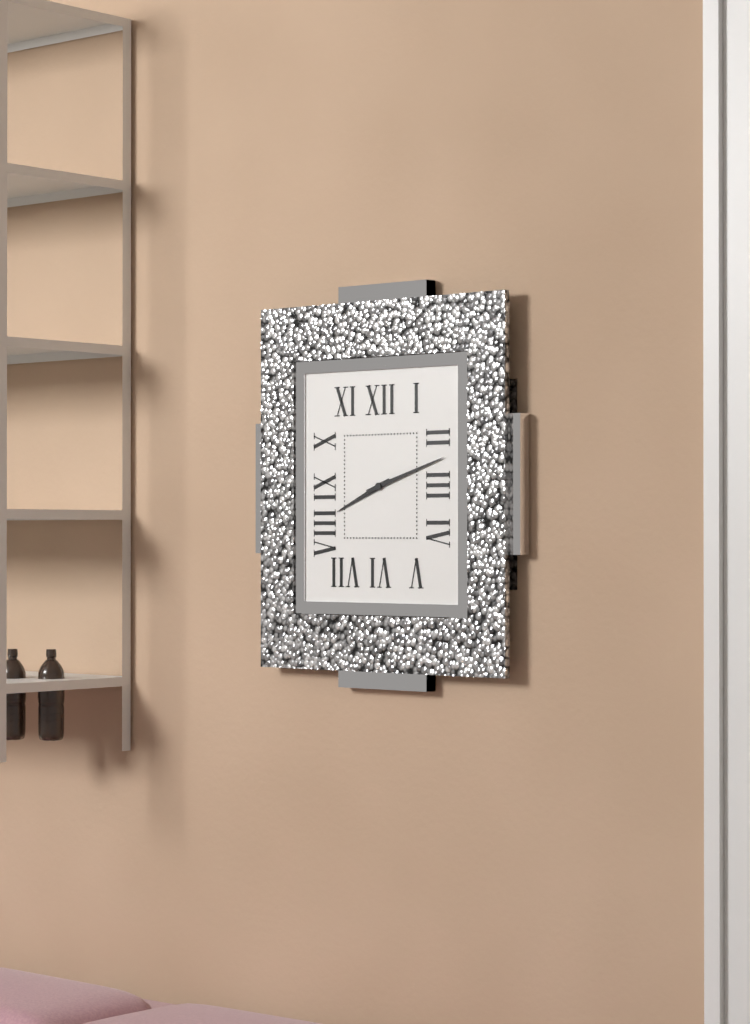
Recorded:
{"hour": 8, "minute": 12}
